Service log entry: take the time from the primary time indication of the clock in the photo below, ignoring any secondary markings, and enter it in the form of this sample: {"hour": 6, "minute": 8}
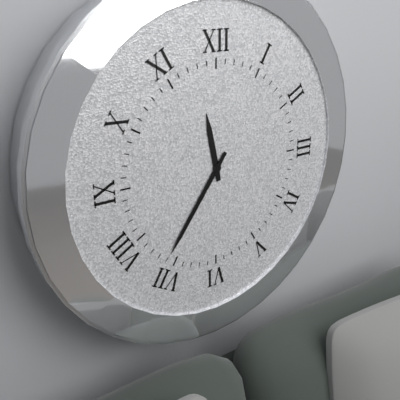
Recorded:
{"hour": 11, "minute": 36}
